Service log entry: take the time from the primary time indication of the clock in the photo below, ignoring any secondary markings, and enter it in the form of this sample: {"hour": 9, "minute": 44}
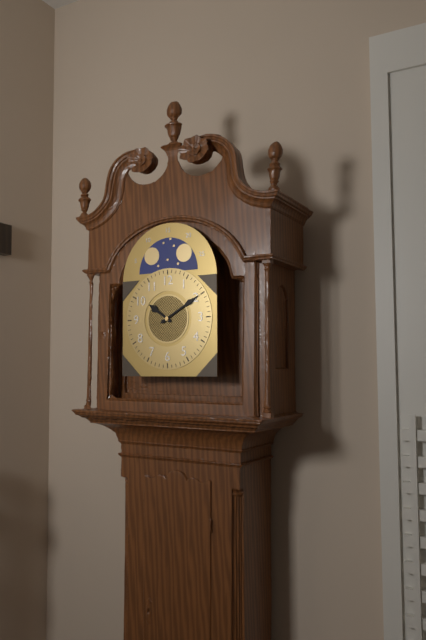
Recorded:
{"hour": 10, "minute": 10}
